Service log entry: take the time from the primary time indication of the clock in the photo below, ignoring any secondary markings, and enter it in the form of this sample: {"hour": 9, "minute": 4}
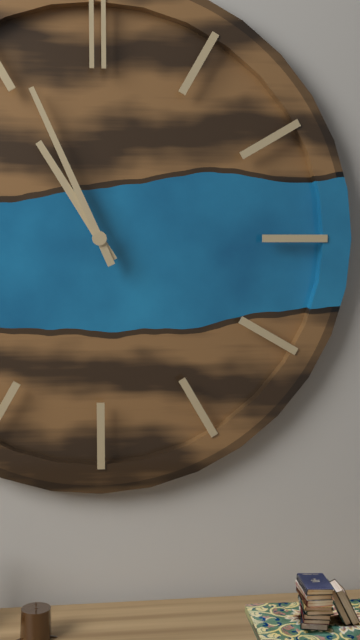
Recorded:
{"hour": 10, "minute": 56}
